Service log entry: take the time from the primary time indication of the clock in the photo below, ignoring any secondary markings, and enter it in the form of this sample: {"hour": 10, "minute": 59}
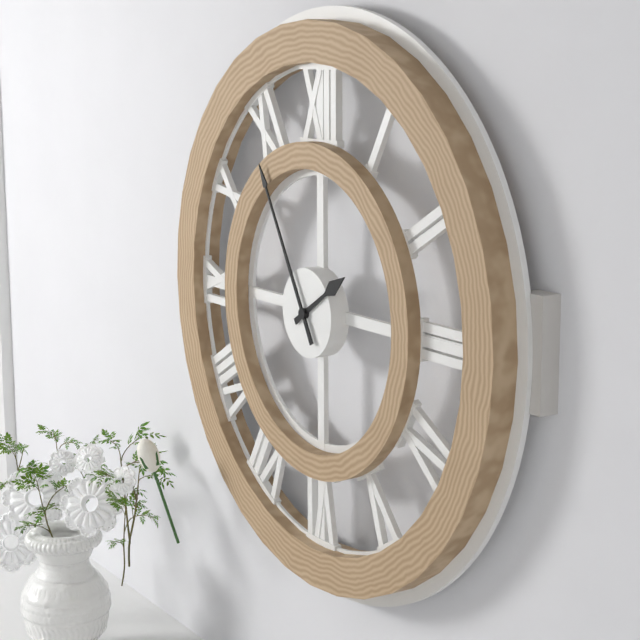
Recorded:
{"hour": 1, "minute": 55}
